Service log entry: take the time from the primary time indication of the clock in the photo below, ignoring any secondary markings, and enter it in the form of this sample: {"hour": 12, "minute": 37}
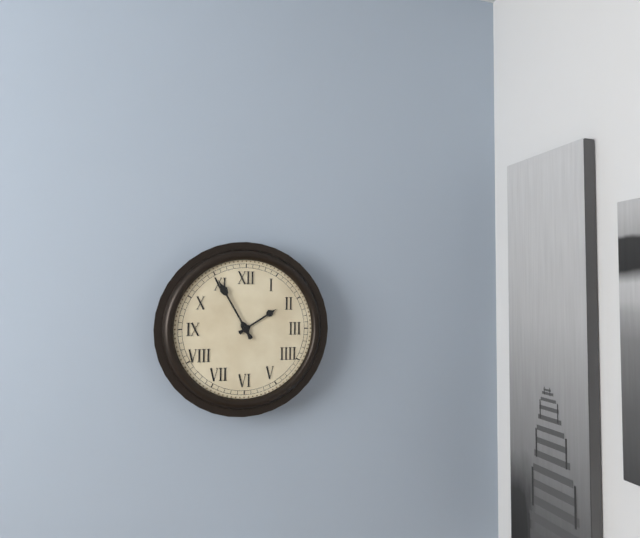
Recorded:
{"hour": 1, "minute": 55}
